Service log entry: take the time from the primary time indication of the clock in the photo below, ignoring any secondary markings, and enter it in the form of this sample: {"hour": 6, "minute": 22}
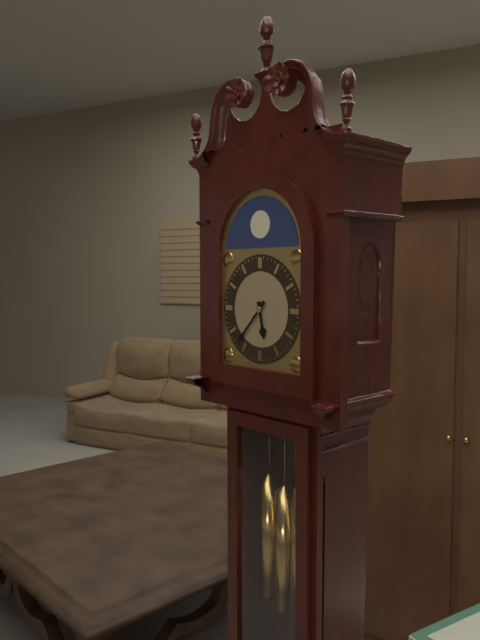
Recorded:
{"hour": 5, "minute": 37}
